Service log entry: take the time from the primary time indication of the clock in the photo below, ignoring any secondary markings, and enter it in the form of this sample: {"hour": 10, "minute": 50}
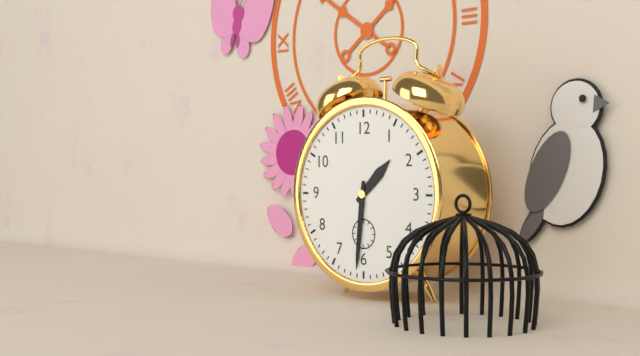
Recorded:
{"hour": 1, "minute": 31}
